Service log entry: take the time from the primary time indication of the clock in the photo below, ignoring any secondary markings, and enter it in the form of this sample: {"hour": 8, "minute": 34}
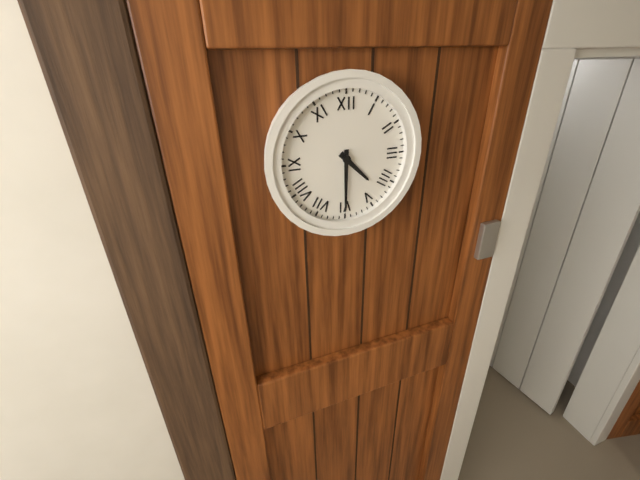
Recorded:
{"hour": 4, "minute": 30}
